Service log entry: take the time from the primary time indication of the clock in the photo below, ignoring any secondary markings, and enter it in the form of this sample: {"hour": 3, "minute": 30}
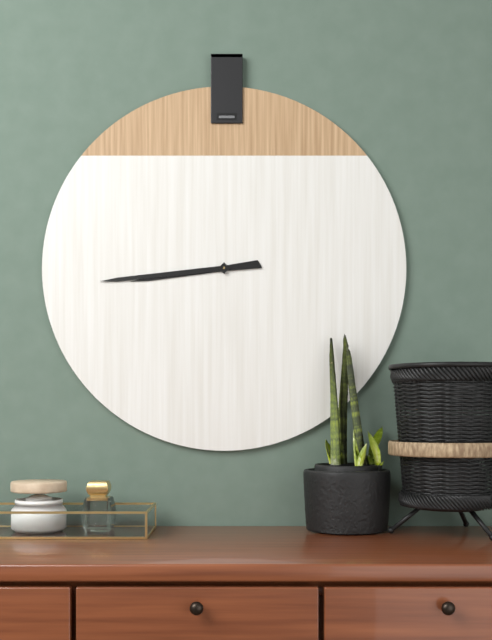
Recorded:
{"hour": 8, "minute": 44}
